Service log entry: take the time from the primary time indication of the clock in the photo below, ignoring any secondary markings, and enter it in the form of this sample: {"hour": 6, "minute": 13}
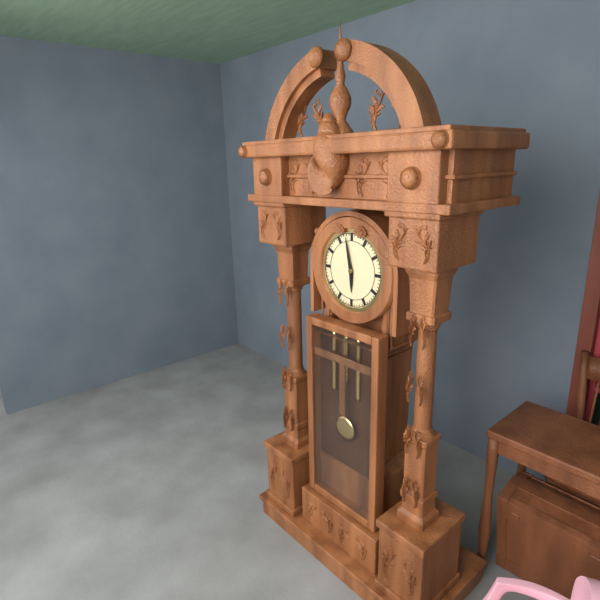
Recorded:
{"hour": 5, "minute": 58}
